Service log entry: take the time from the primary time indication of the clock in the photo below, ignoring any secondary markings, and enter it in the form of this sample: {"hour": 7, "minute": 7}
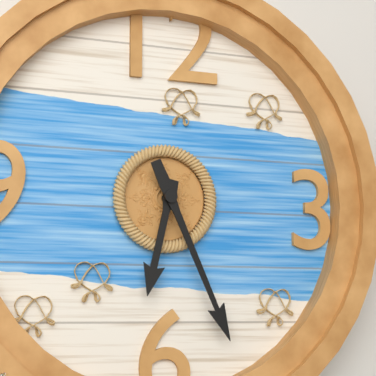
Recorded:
{"hour": 6, "minute": 26}
